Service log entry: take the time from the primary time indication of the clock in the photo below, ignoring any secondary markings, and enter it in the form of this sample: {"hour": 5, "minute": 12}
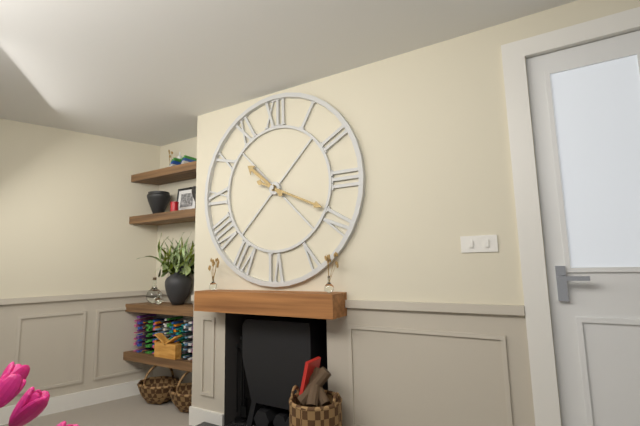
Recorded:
{"hour": 10, "minute": 19}
